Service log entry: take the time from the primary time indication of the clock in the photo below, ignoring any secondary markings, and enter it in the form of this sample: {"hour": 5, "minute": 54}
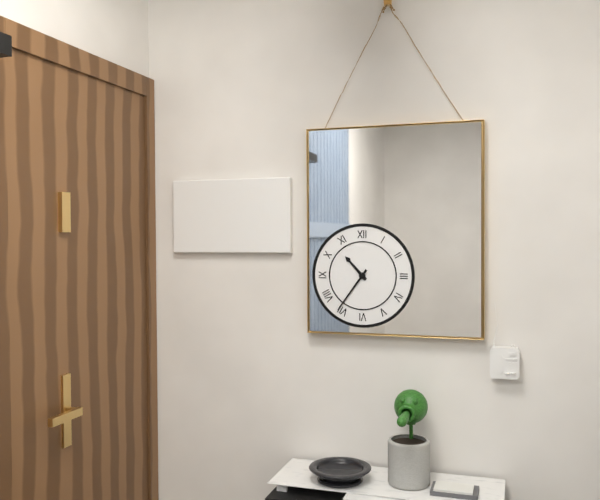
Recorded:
{"hour": 10, "minute": 36}
